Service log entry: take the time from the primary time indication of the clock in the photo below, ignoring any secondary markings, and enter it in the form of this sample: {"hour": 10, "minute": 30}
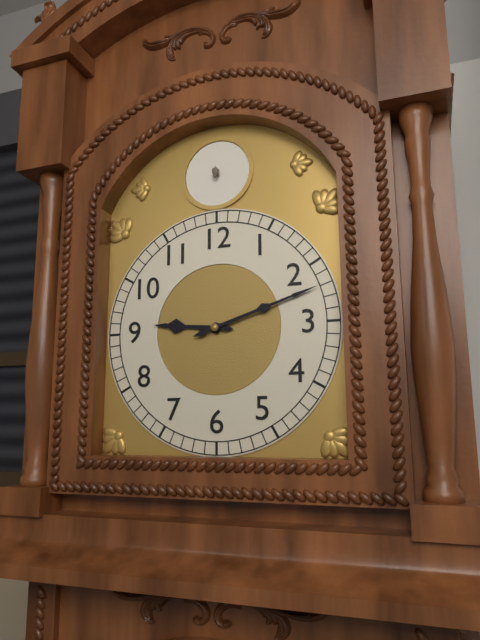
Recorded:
{"hour": 9, "minute": 12}
